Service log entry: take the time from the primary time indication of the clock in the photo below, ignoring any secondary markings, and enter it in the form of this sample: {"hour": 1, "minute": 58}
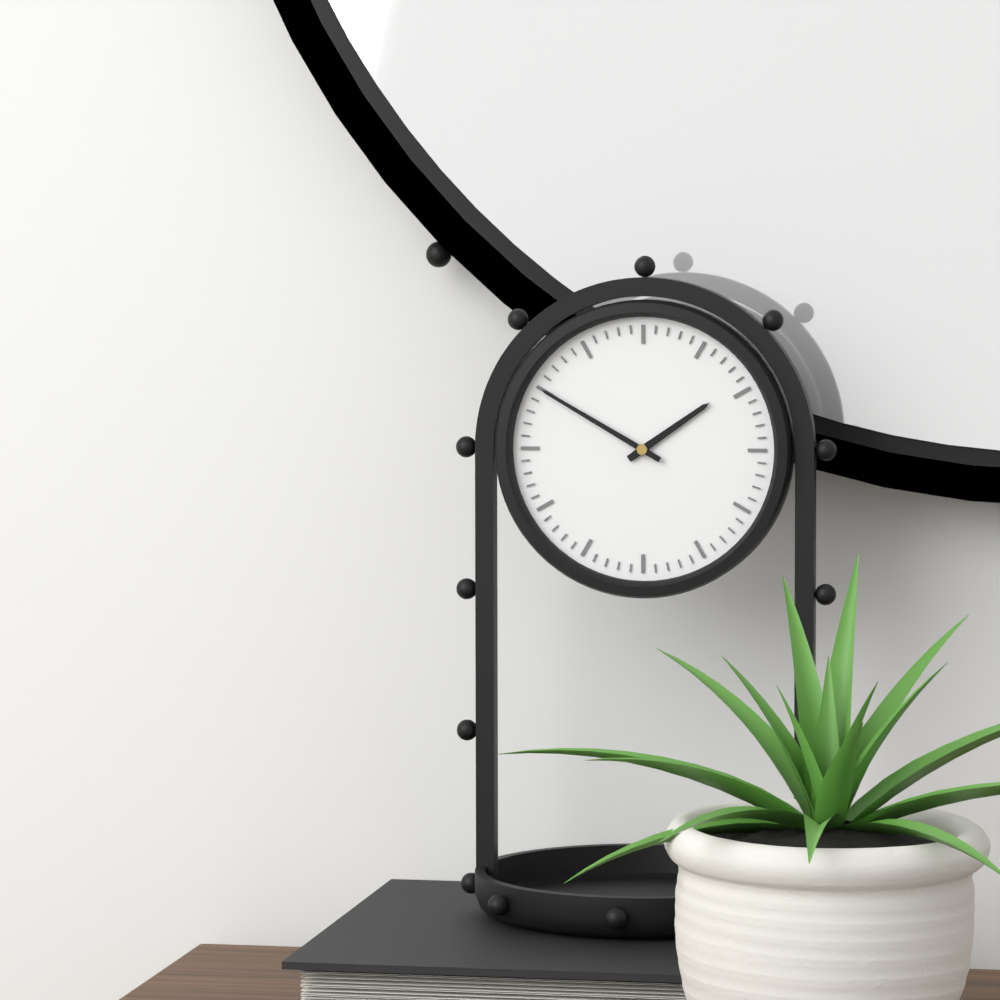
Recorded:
{"hour": 1, "minute": 50}
